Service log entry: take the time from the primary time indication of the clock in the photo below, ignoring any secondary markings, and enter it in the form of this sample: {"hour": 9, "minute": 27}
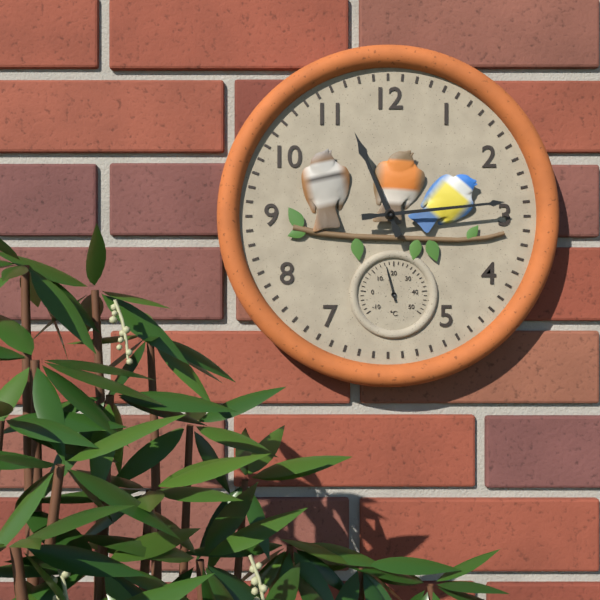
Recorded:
{"hour": 11, "minute": 14}
